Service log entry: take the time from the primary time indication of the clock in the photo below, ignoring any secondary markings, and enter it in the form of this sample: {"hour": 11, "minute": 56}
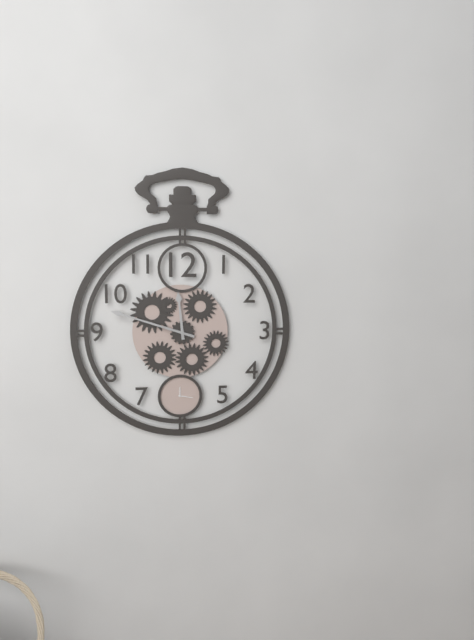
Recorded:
{"hour": 11, "minute": 48}
